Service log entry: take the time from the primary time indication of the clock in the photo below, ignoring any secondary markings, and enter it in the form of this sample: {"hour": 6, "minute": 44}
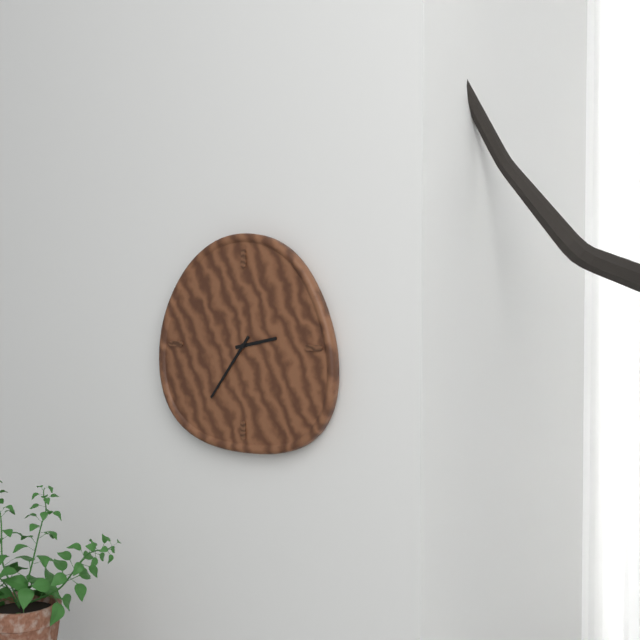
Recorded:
{"hour": 2, "minute": 36}
